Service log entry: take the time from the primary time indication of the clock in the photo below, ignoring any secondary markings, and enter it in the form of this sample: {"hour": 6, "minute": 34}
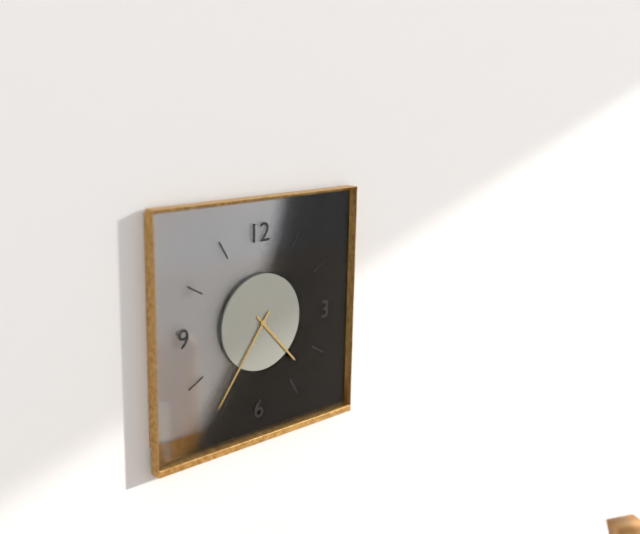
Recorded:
{"hour": 4, "minute": 36}
